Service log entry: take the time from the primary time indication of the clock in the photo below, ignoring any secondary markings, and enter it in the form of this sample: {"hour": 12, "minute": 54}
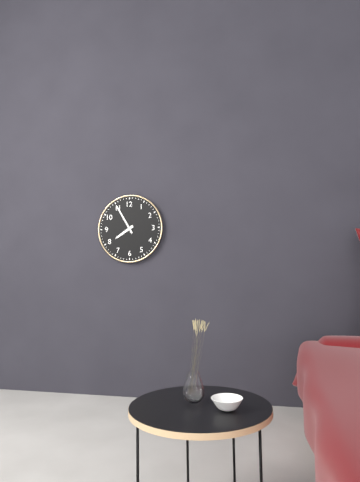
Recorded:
{"hour": 7, "minute": 55}
